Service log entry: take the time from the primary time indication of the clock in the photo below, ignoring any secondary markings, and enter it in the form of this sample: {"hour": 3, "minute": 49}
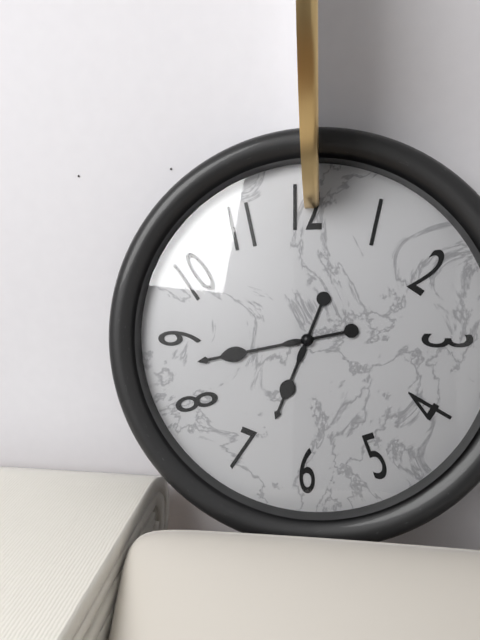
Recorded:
{"hour": 6, "minute": 43}
